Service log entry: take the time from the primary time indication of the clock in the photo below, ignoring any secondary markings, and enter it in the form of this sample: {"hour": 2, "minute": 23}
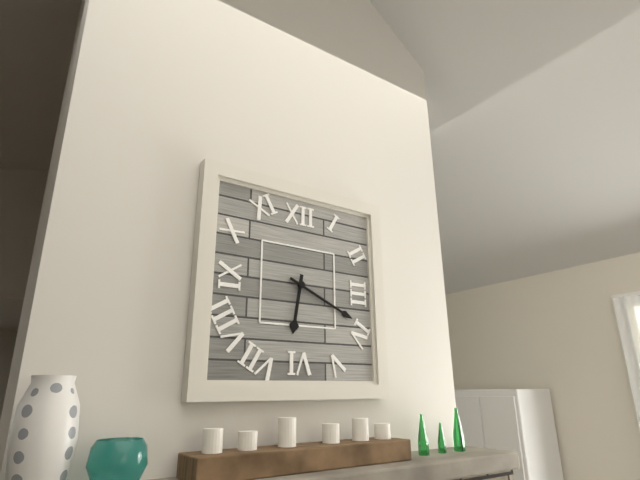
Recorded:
{"hour": 6, "minute": 19}
